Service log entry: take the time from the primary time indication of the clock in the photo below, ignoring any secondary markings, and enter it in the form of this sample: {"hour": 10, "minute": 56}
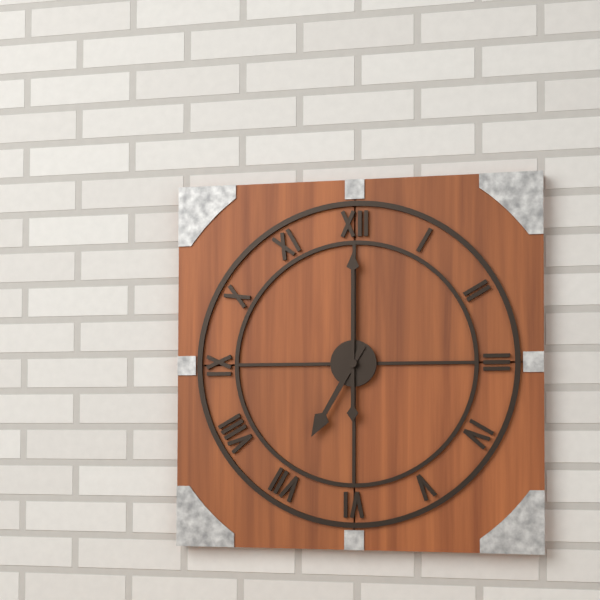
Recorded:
{"hour": 7, "minute": 0}
